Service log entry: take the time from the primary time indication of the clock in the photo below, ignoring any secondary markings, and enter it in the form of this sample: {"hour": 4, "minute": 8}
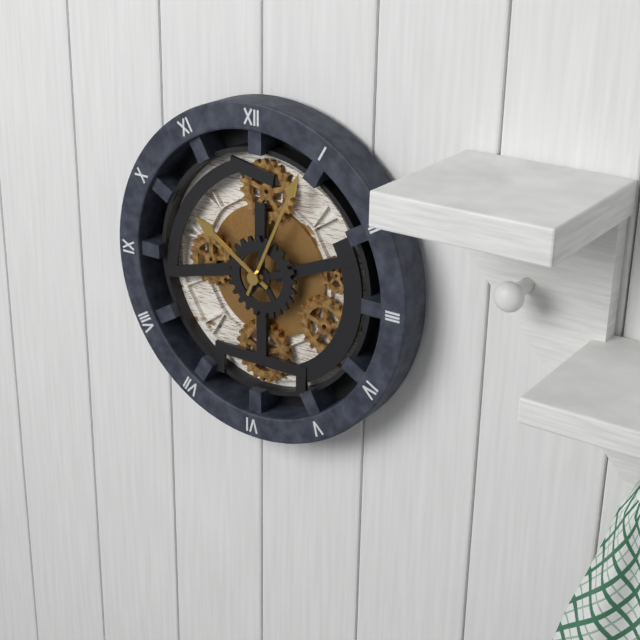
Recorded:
{"hour": 10, "minute": 4}
